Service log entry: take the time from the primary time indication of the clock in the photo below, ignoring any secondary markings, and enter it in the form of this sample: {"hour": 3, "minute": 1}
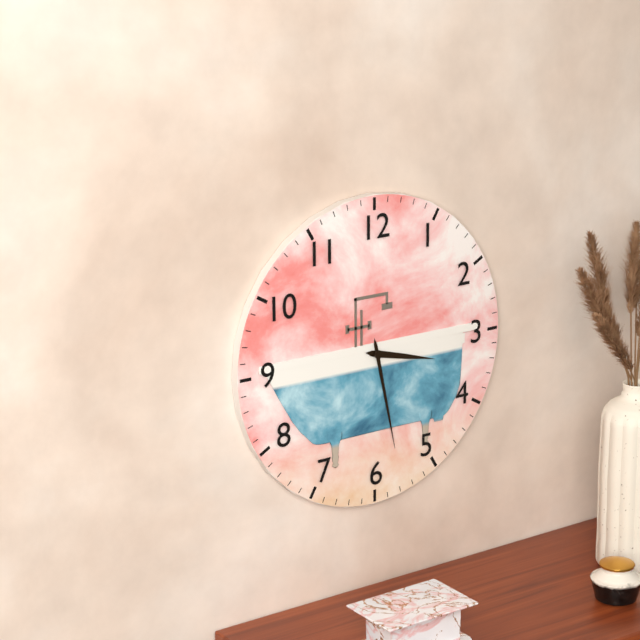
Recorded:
{"hour": 3, "minute": 28}
